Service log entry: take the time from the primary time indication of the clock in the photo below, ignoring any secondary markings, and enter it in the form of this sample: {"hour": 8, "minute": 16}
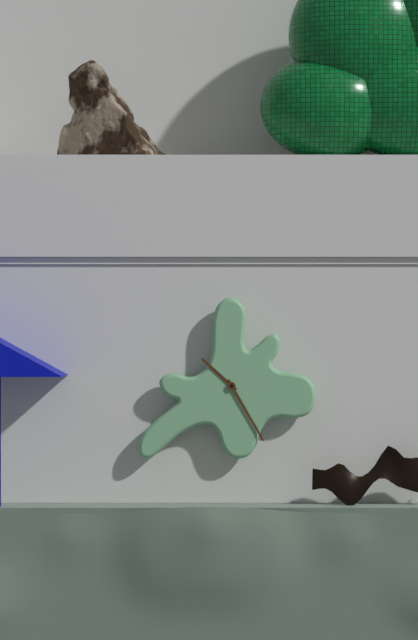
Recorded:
{"hour": 10, "minute": 25}
